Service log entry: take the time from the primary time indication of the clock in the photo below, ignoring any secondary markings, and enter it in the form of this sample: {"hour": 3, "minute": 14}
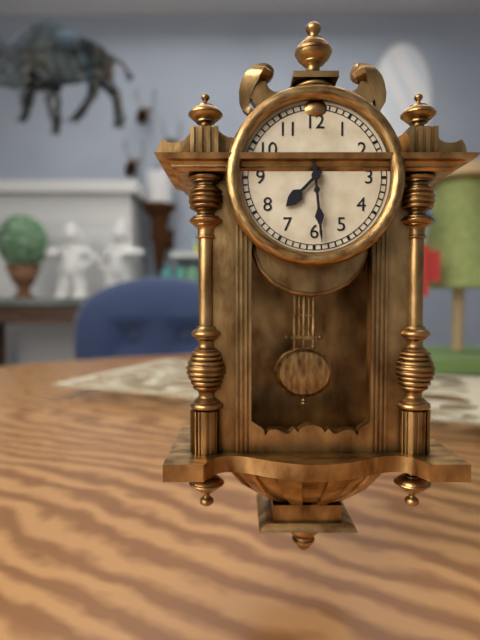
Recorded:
{"hour": 7, "minute": 29}
